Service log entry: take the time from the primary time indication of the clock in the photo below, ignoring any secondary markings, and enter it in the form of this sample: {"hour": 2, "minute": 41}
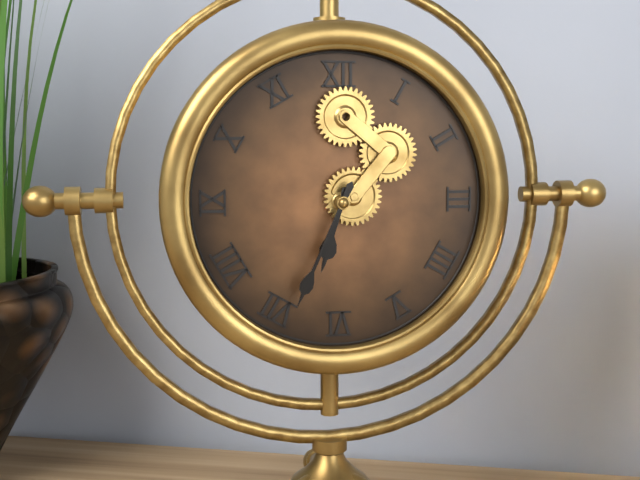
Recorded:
{"hour": 6, "minute": 34}
